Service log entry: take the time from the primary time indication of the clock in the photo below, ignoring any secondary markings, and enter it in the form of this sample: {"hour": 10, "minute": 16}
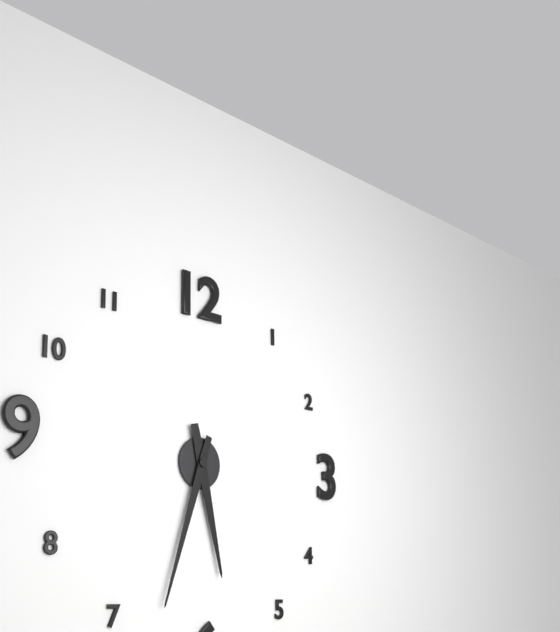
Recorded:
{"hour": 5, "minute": 33}
